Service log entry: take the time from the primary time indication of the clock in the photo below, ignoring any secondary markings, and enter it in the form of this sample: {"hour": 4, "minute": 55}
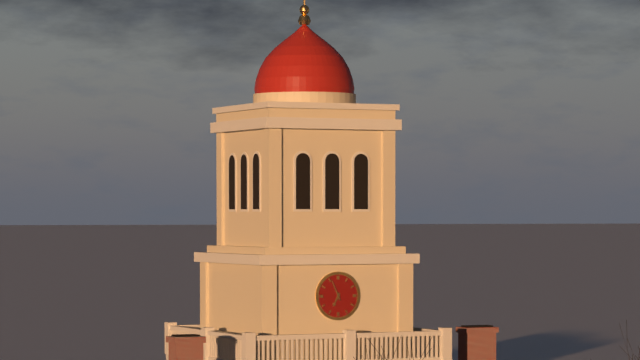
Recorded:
{"hour": 6, "minute": 56}
